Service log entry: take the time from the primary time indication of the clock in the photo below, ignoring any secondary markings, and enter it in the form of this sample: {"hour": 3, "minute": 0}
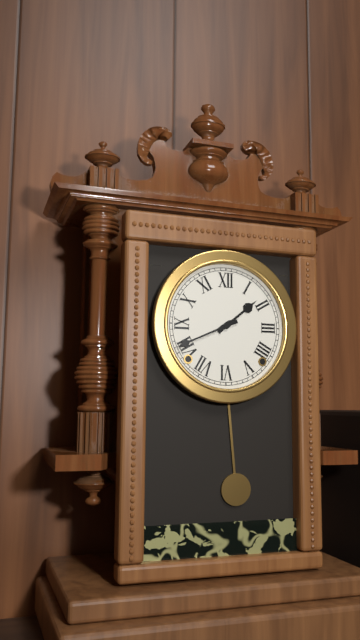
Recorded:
{"hour": 1, "minute": 41}
